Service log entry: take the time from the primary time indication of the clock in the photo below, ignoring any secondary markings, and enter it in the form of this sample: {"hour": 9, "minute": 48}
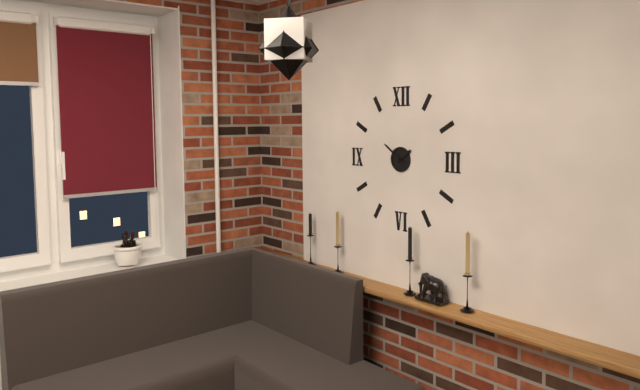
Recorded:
{"hour": 1, "minute": 51}
